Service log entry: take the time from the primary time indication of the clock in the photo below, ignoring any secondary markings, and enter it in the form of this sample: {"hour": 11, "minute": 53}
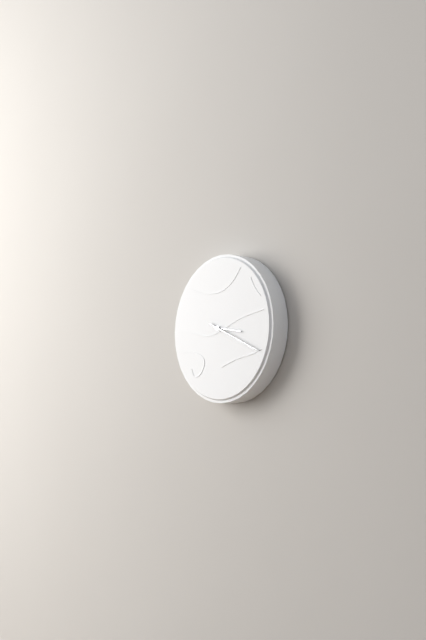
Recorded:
{"hour": 3, "minute": 19}
